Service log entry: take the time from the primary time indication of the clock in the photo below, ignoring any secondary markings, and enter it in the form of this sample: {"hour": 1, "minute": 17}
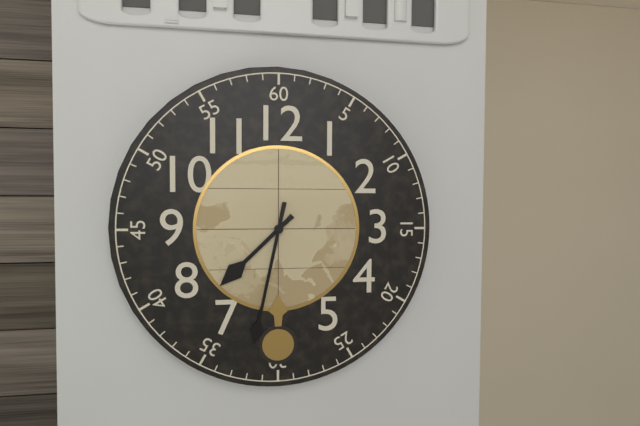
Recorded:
{"hour": 7, "minute": 32}
